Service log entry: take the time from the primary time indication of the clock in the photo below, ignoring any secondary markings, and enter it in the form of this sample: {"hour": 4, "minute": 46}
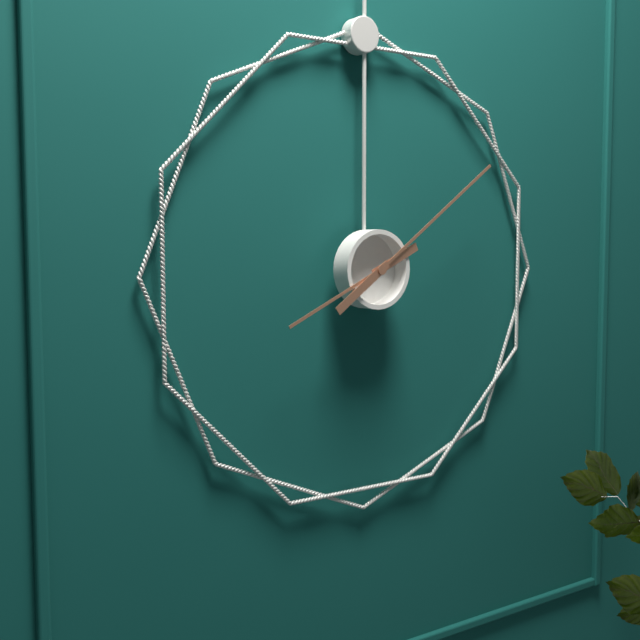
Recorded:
{"hour": 8, "minute": 9}
